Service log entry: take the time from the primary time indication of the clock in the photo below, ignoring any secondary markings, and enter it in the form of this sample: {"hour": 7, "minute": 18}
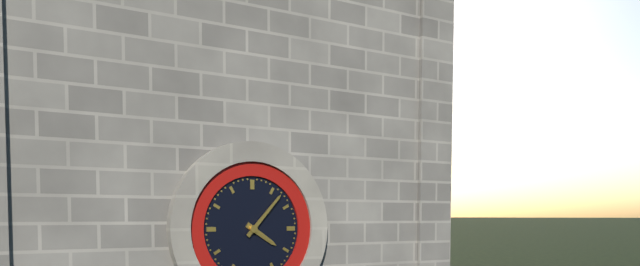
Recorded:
{"hour": 4, "minute": 7}
